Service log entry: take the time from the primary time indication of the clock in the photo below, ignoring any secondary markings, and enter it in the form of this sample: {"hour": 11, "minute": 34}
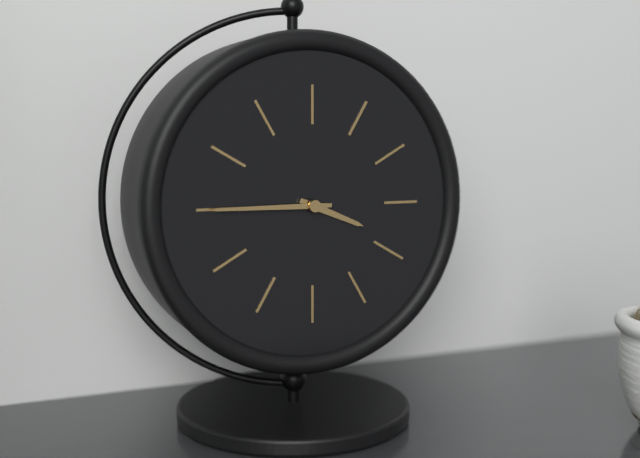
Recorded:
{"hour": 3, "minute": 45}
